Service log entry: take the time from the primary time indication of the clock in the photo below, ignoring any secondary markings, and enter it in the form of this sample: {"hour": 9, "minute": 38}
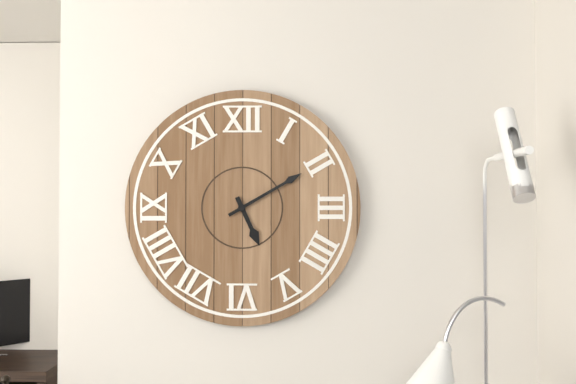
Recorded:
{"hour": 5, "minute": 10}
